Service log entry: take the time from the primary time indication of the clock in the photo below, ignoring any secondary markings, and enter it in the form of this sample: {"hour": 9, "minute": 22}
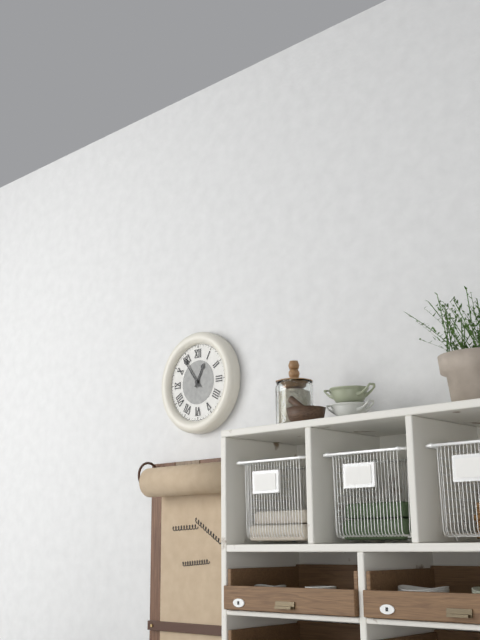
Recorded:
{"hour": 12, "minute": 54}
